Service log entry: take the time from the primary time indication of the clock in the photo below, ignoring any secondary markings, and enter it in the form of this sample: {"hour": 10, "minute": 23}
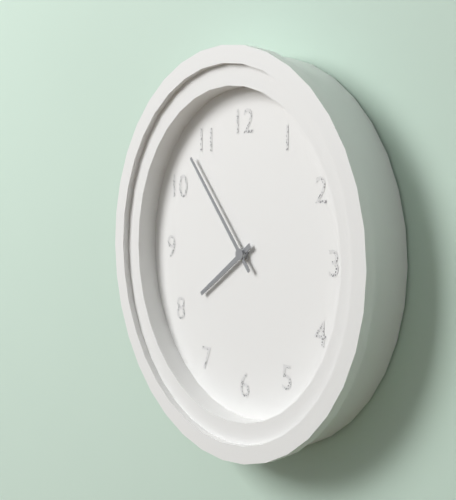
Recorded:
{"hour": 7, "minute": 53}
